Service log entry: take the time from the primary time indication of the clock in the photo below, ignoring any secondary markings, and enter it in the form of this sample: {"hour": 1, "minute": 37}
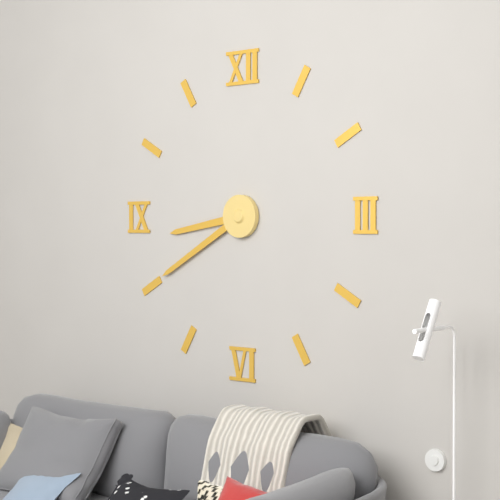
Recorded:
{"hour": 8, "minute": 40}
